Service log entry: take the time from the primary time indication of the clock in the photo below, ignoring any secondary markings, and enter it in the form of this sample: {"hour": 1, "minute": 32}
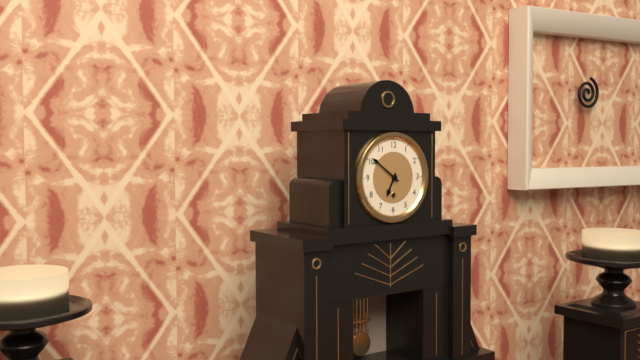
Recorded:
{"hour": 6, "minute": 51}
